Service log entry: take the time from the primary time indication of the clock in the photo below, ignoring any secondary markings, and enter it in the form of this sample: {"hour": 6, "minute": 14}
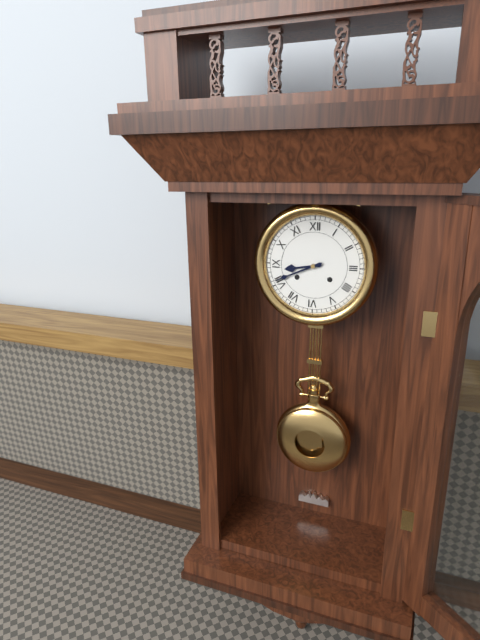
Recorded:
{"hour": 8, "minute": 41}
